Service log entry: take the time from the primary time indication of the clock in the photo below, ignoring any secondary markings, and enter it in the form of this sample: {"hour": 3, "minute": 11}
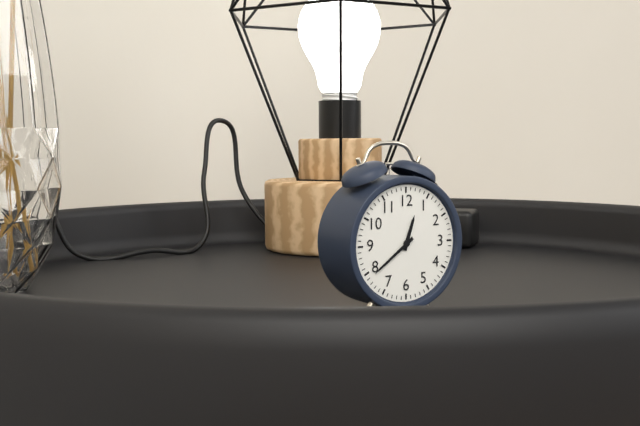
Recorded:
{"hour": 12, "minute": 39}
